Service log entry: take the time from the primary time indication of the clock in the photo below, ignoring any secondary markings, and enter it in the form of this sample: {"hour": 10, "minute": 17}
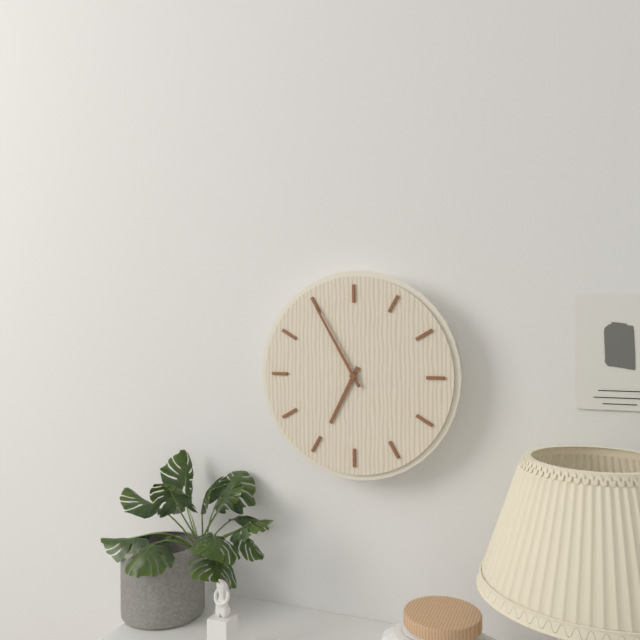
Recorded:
{"hour": 6, "minute": 55}
